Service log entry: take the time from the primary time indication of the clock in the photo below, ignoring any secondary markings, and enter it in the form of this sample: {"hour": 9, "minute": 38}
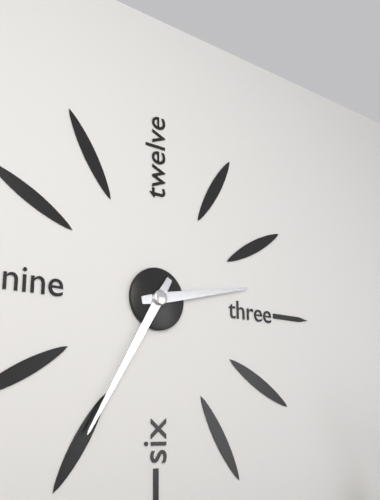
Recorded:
{"hour": 2, "minute": 35}
